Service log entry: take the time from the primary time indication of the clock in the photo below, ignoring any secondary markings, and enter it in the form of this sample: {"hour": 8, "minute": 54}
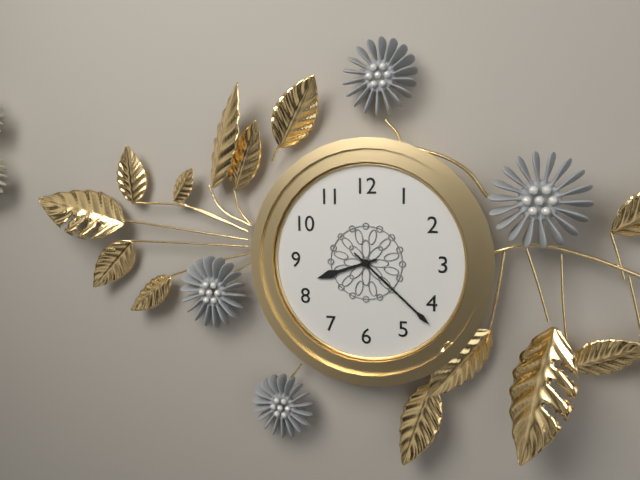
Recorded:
{"hour": 8, "minute": 22}
